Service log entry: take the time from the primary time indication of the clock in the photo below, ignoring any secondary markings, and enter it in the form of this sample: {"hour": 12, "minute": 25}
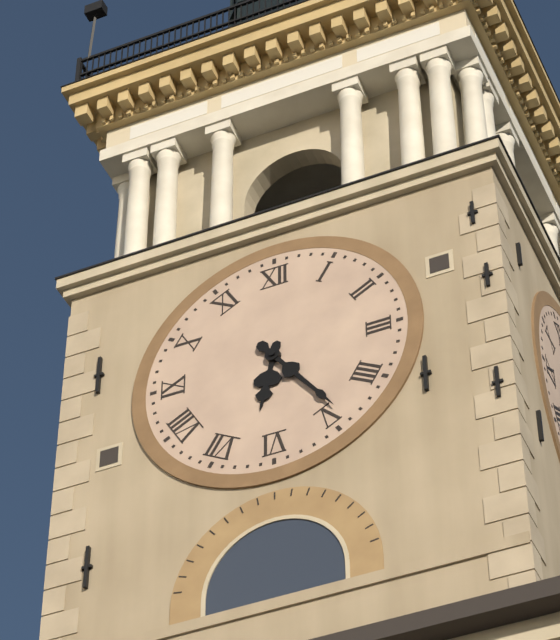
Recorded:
{"hour": 6, "minute": 24}
